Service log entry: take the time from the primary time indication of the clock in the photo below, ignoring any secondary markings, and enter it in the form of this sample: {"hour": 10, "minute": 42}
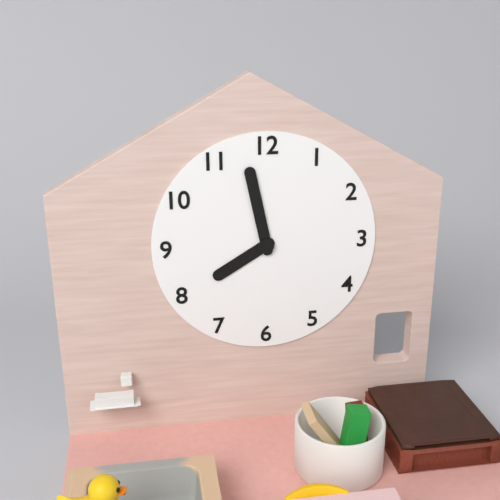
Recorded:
{"hour": 7, "minute": 58}
